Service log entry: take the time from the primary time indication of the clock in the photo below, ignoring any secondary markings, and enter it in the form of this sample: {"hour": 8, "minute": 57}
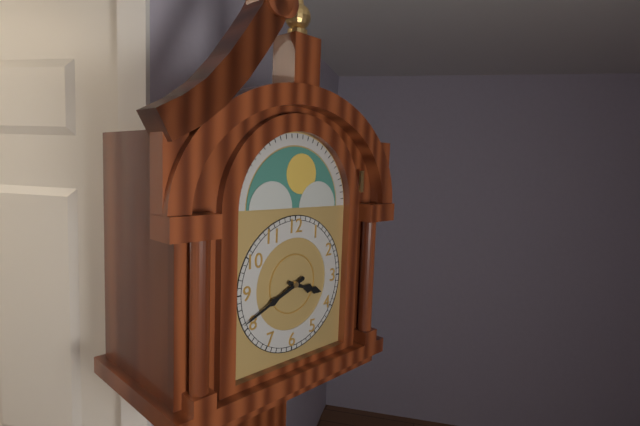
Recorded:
{"hour": 3, "minute": 41}
